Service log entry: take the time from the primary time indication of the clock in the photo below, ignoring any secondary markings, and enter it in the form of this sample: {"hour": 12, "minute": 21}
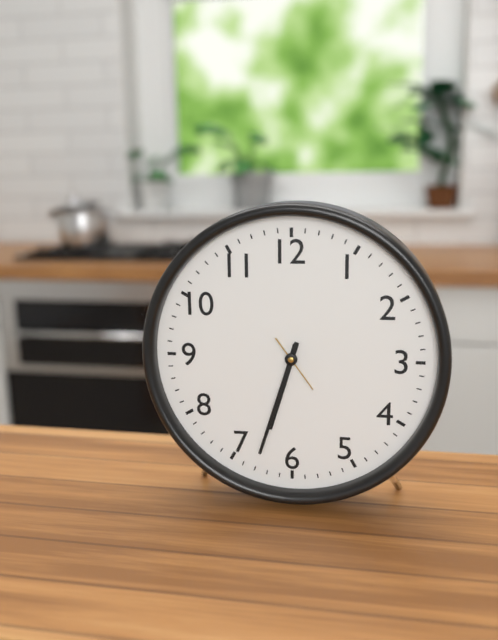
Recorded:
{"hour": 6, "minute": 33}
